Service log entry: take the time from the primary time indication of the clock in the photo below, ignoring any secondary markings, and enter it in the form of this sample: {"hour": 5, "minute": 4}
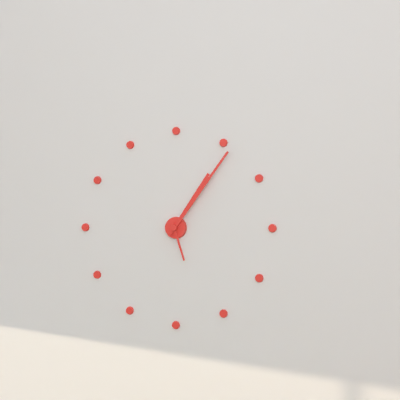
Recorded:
{"hour": 1, "minute": 6}
